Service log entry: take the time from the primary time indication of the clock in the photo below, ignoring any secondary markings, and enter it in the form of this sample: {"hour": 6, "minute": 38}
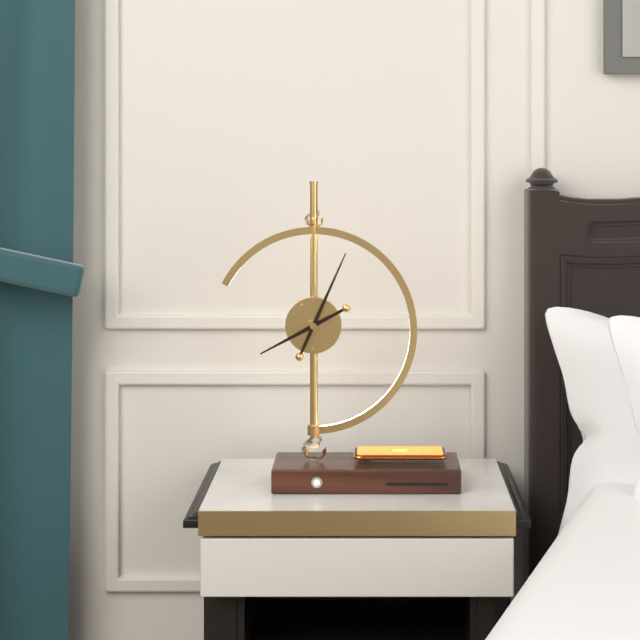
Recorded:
{"hour": 8, "minute": 4}
